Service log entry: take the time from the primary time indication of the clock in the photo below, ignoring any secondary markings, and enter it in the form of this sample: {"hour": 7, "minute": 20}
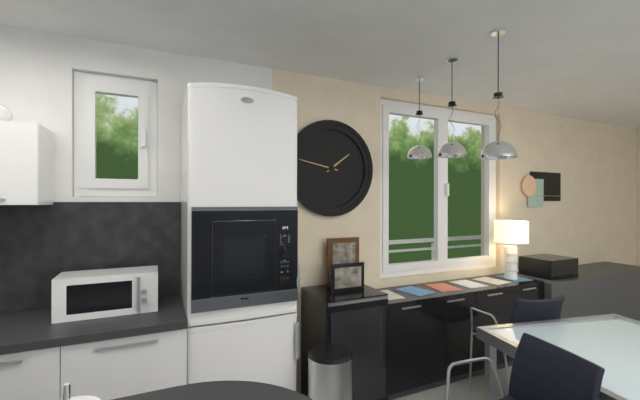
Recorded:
{"hour": 1, "minute": 47}
